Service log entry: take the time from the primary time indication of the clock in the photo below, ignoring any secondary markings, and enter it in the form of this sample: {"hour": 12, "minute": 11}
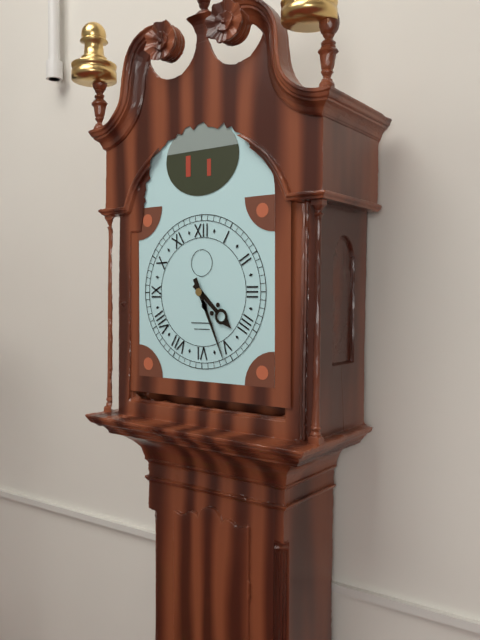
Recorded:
{"hour": 4, "minute": 26}
